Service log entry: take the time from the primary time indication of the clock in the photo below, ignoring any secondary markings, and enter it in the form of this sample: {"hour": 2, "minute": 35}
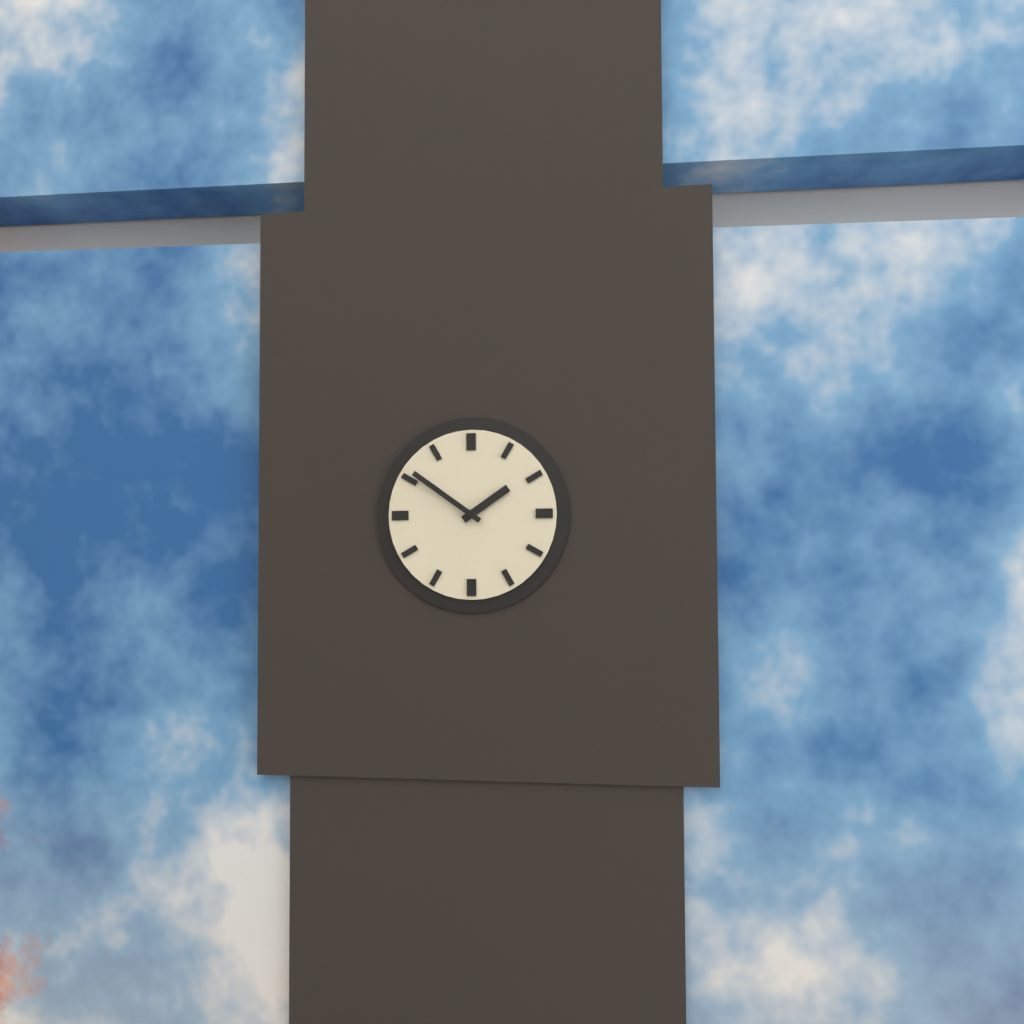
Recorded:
{"hour": 1, "minute": 51}
